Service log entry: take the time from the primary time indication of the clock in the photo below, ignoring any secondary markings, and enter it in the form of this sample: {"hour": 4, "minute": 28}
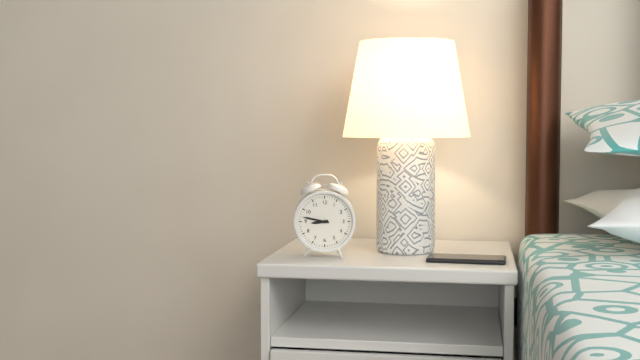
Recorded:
{"hour": 8, "minute": 47}
